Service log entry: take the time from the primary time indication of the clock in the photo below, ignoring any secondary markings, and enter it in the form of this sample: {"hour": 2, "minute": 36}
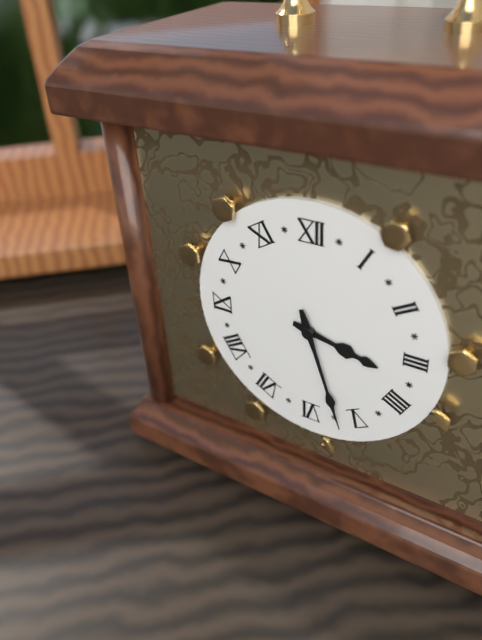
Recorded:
{"hour": 3, "minute": 27}
